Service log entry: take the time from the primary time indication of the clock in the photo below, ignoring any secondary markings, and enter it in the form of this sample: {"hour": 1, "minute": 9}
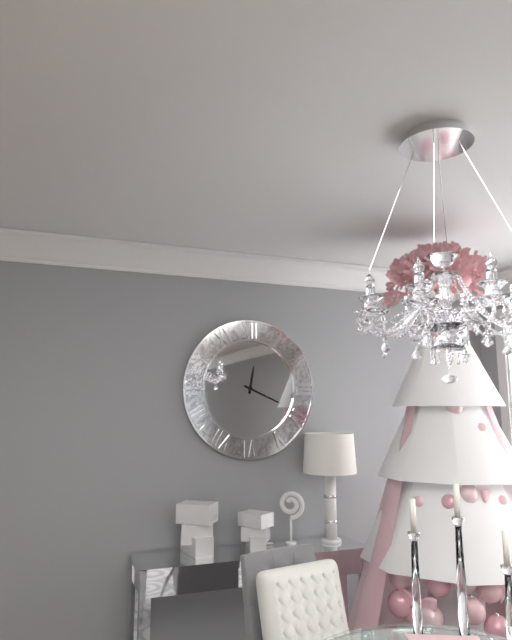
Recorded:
{"hour": 12, "minute": 19}
